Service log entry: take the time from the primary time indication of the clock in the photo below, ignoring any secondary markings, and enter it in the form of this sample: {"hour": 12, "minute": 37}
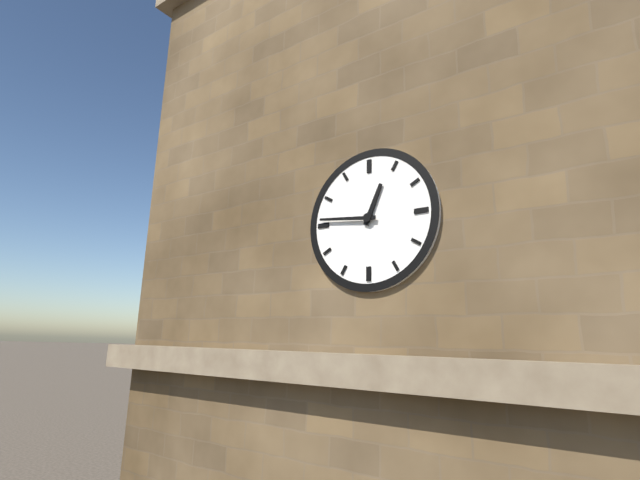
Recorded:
{"hour": 12, "minute": 46}
